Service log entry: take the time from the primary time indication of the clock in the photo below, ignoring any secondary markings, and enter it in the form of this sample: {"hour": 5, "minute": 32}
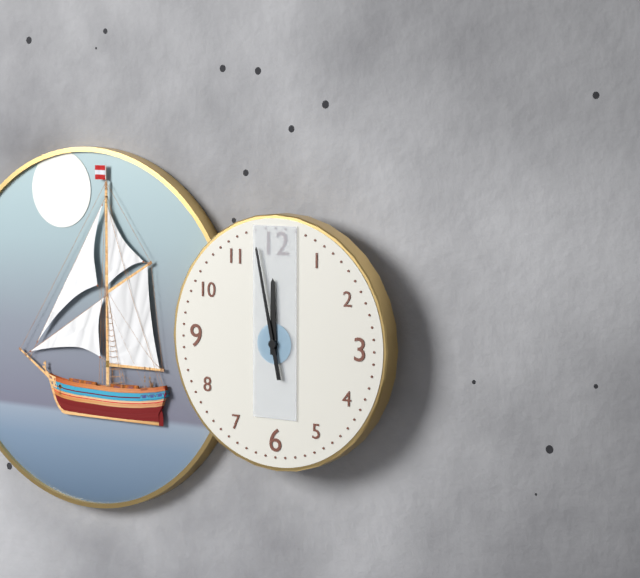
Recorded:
{"hour": 11, "minute": 58}
